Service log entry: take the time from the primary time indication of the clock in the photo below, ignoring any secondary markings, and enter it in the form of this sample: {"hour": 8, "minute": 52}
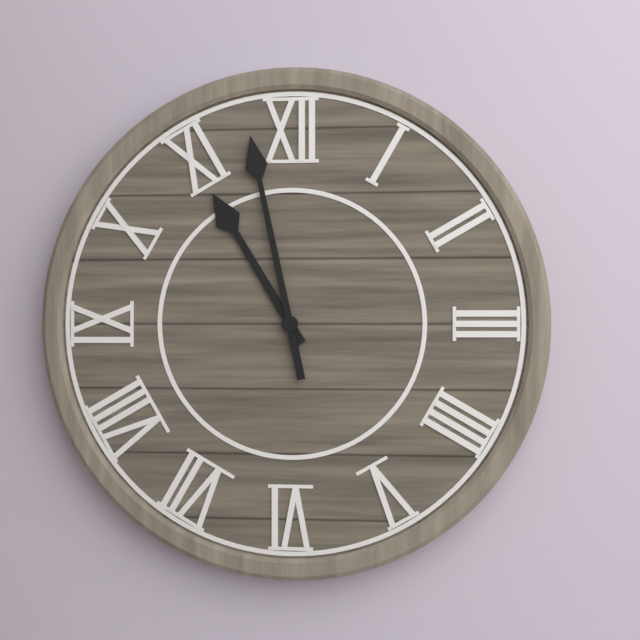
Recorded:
{"hour": 10, "minute": 58}
